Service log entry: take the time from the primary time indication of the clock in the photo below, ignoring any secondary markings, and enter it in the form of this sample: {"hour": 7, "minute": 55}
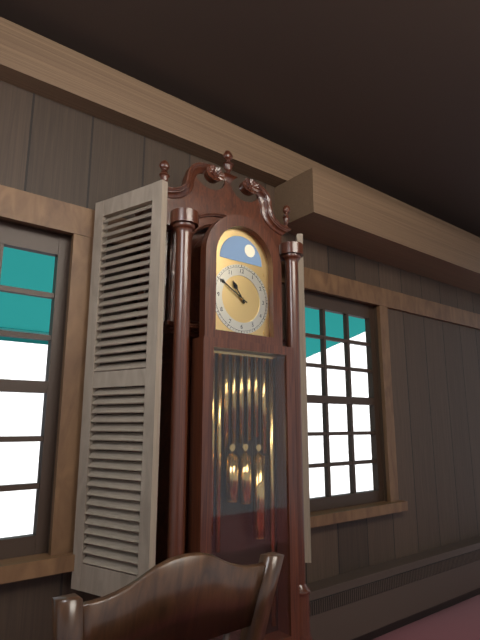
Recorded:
{"hour": 10, "minute": 50}
